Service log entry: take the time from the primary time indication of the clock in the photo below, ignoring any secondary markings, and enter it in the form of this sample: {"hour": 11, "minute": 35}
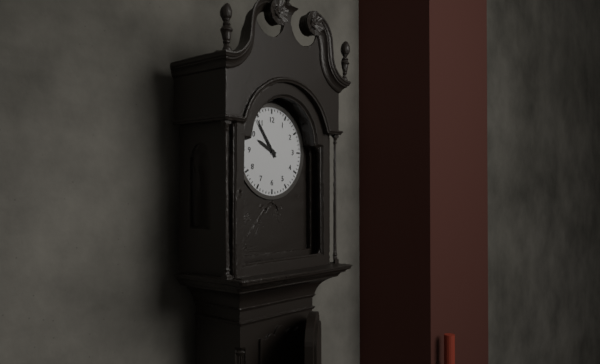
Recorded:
{"hour": 9, "minute": 54}
